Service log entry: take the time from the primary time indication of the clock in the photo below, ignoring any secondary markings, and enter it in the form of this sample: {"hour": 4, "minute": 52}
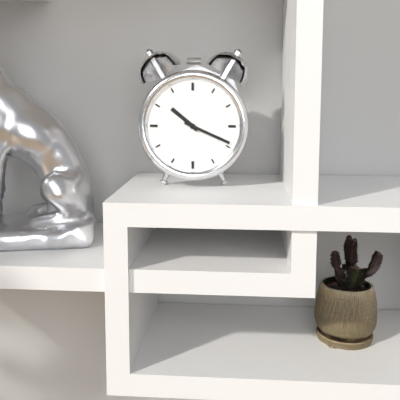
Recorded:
{"hour": 10, "minute": 19}
